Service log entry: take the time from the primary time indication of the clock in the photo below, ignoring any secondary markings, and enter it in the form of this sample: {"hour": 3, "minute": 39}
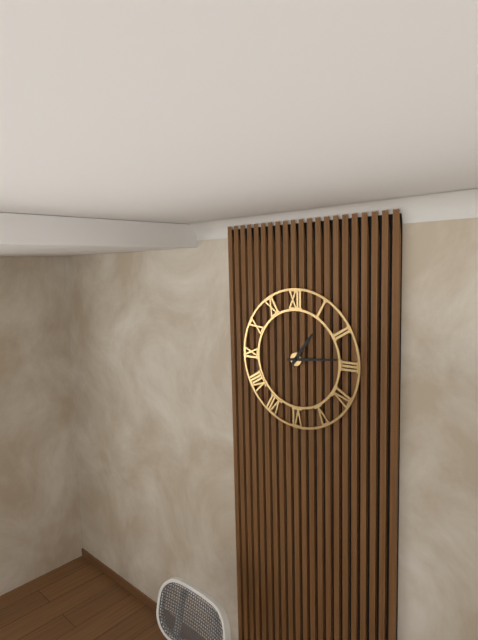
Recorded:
{"hour": 1, "minute": 14}
